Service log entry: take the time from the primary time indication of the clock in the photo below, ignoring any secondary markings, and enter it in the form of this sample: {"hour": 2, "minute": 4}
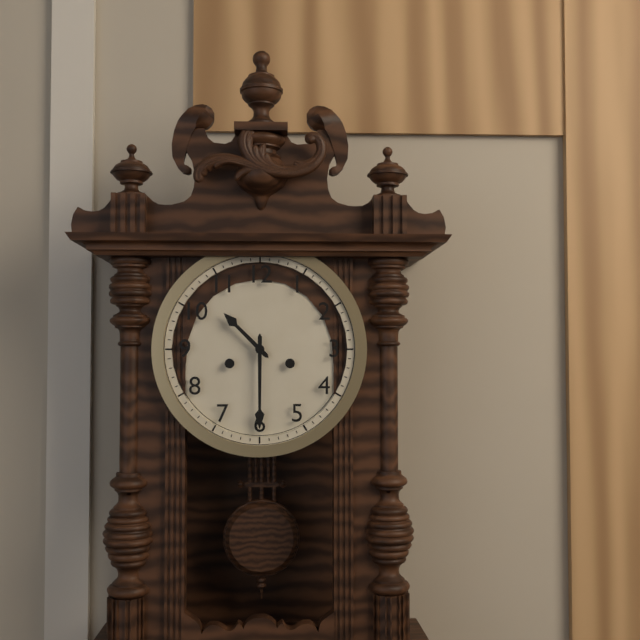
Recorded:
{"hour": 10, "minute": 30}
